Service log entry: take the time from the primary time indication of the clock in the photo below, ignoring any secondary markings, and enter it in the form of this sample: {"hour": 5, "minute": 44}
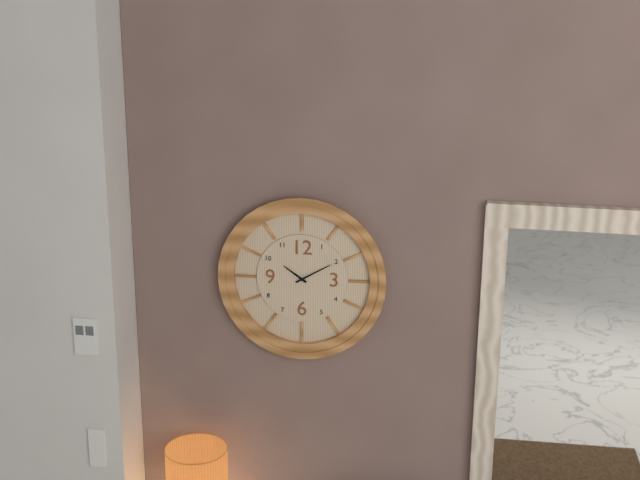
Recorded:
{"hour": 10, "minute": 10}
